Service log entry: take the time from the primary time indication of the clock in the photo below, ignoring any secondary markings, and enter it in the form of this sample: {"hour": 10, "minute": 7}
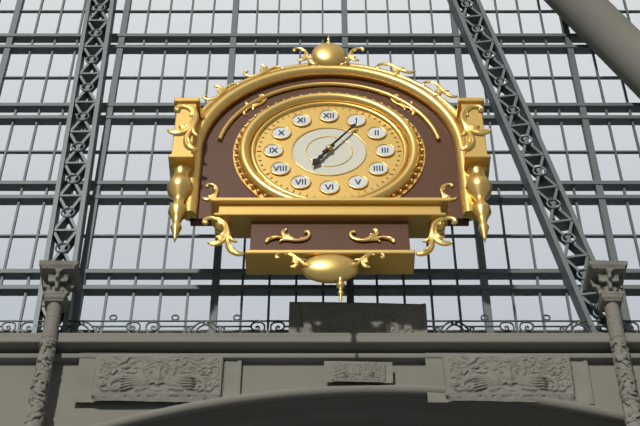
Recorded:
{"hour": 7, "minute": 6}
